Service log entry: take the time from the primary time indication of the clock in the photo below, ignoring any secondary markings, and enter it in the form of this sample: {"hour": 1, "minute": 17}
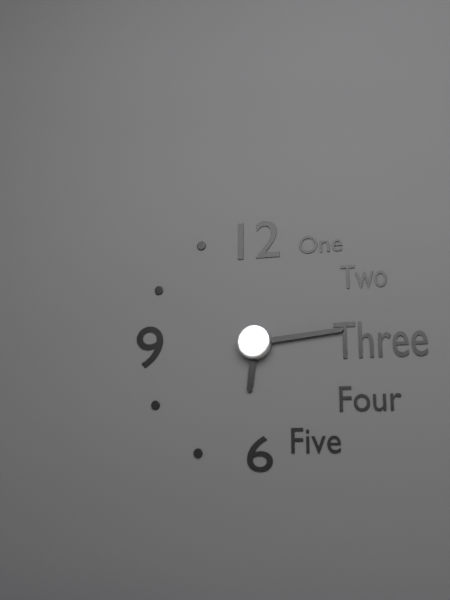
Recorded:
{"hour": 6, "minute": 14}
